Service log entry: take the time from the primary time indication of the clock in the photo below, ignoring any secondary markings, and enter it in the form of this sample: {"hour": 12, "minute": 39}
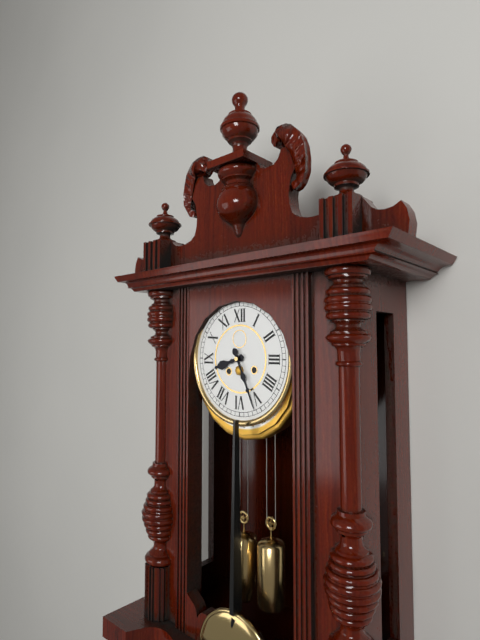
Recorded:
{"hour": 8, "minute": 26}
